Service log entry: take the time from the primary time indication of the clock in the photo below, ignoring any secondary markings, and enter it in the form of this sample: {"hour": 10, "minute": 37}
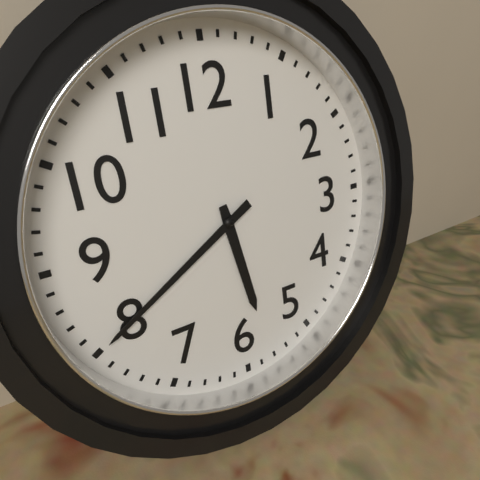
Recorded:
{"hour": 5, "minute": 40}
